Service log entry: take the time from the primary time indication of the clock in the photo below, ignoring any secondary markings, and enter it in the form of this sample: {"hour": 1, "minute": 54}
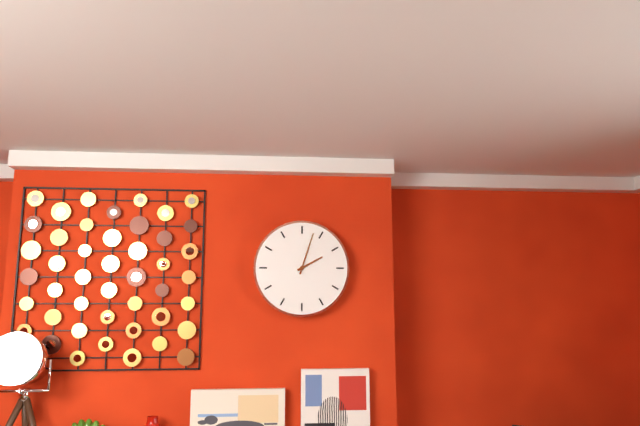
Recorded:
{"hour": 2, "minute": 3}
